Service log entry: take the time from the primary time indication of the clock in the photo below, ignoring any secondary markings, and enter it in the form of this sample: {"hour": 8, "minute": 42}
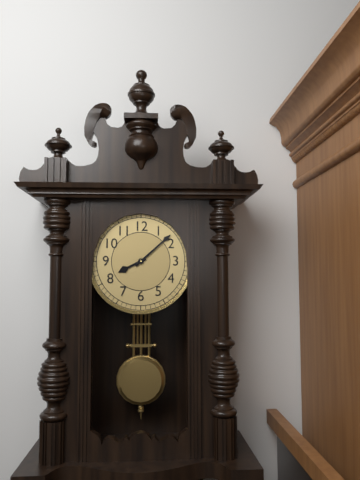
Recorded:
{"hour": 8, "minute": 8}
